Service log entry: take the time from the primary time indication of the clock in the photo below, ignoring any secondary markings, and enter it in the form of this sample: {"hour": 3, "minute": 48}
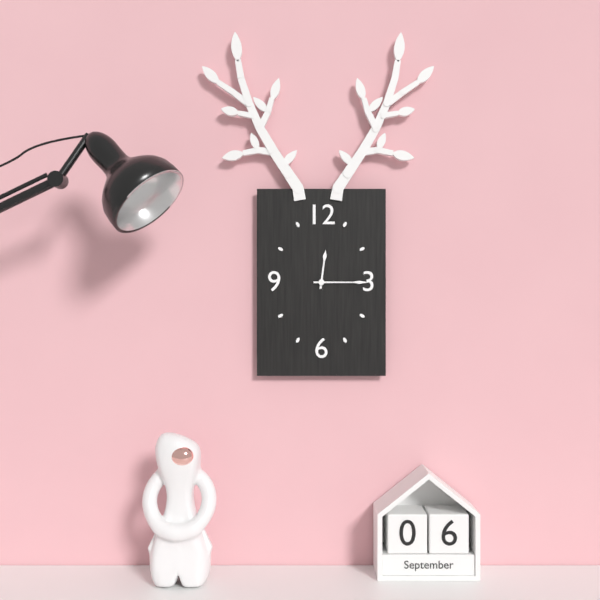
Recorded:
{"hour": 12, "minute": 15}
